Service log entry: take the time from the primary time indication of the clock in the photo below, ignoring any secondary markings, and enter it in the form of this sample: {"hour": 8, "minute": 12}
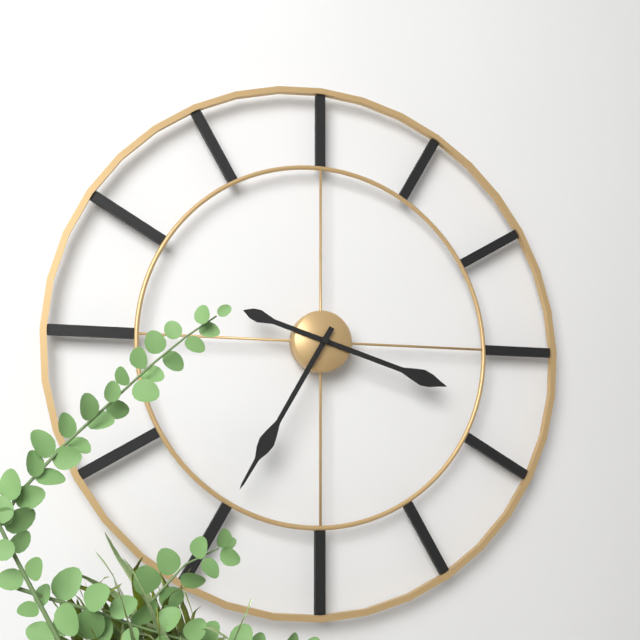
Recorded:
{"hour": 3, "minute": 35}
